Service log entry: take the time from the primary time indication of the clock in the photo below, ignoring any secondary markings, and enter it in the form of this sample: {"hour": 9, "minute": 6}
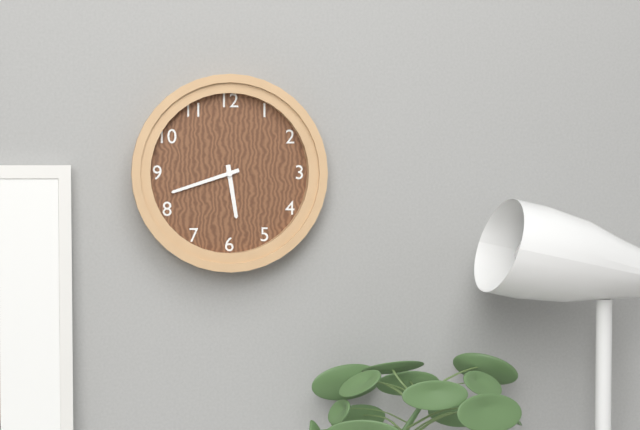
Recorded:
{"hour": 5, "minute": 42}
